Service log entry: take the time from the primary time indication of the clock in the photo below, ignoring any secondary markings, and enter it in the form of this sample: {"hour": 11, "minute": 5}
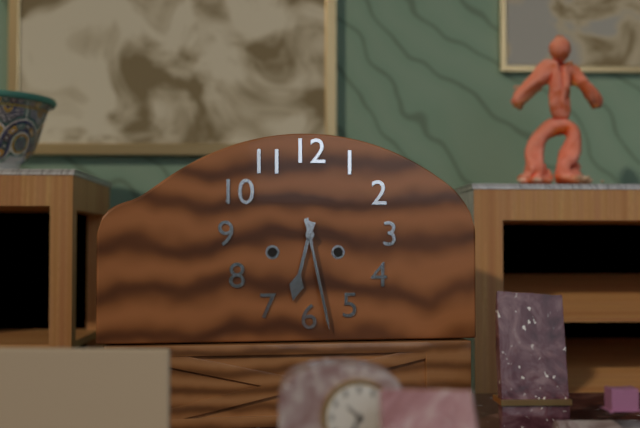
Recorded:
{"hour": 6, "minute": 28}
